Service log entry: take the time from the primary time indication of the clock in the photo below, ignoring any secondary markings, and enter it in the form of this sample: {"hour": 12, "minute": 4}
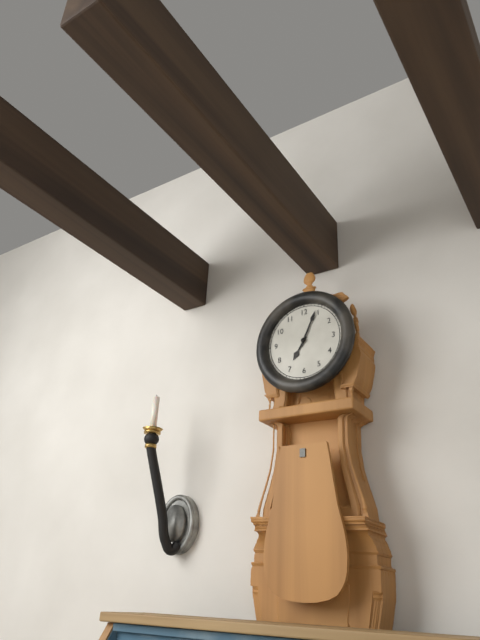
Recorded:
{"hour": 7, "minute": 4}
